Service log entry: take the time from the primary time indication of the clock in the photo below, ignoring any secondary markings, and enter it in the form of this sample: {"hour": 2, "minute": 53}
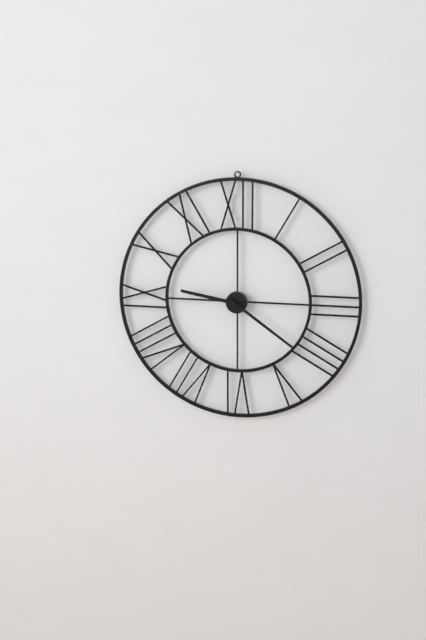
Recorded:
{"hour": 9, "minute": 21}
